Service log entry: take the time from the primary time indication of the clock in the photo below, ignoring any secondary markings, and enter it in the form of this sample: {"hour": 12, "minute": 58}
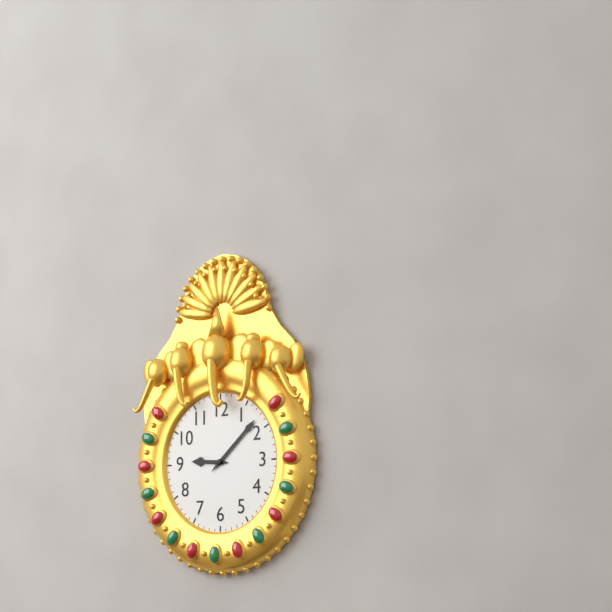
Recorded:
{"hour": 9, "minute": 8}
